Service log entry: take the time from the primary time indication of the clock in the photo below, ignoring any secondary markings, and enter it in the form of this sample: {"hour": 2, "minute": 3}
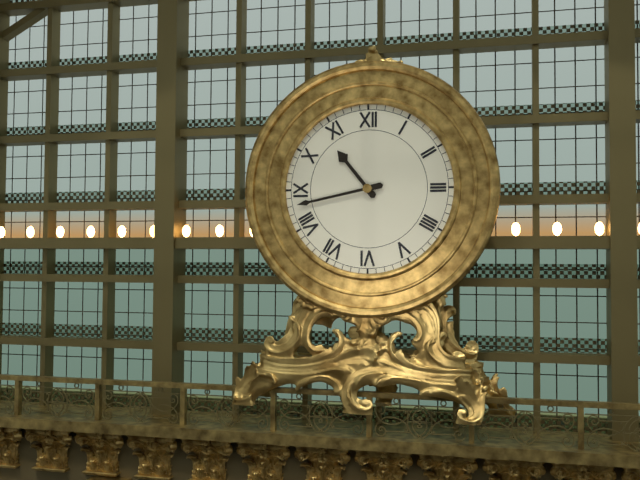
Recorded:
{"hour": 10, "minute": 43}
